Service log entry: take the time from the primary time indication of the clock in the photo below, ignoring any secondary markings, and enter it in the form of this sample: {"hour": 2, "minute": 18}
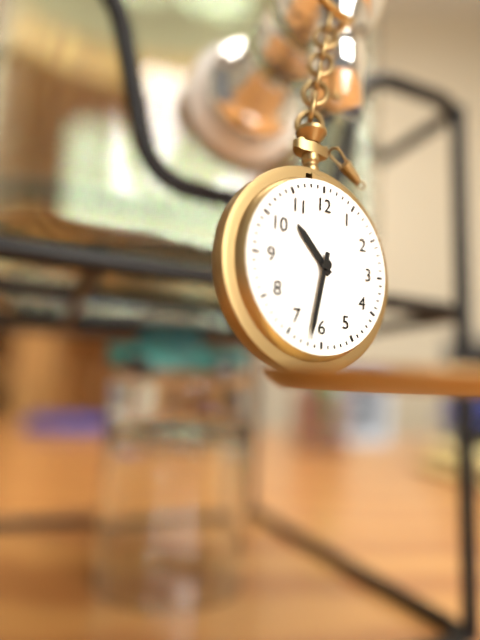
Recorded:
{"hour": 10, "minute": 32}
